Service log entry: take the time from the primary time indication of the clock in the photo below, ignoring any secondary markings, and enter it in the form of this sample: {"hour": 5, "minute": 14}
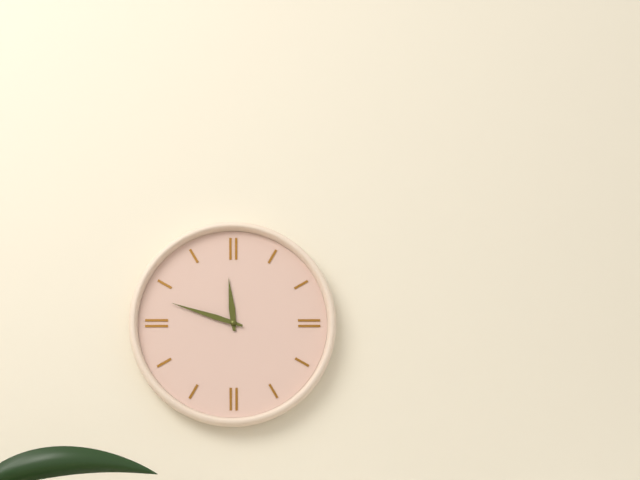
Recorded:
{"hour": 11, "minute": 48}
